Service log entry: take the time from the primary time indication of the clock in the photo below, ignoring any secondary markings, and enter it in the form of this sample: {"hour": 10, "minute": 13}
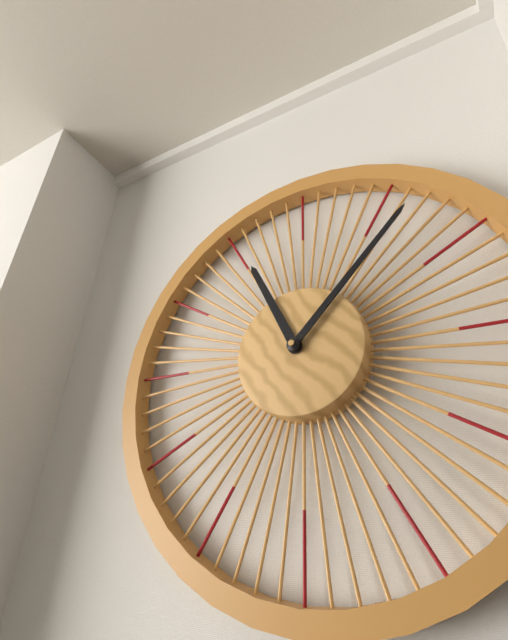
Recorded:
{"hour": 11, "minute": 7}
